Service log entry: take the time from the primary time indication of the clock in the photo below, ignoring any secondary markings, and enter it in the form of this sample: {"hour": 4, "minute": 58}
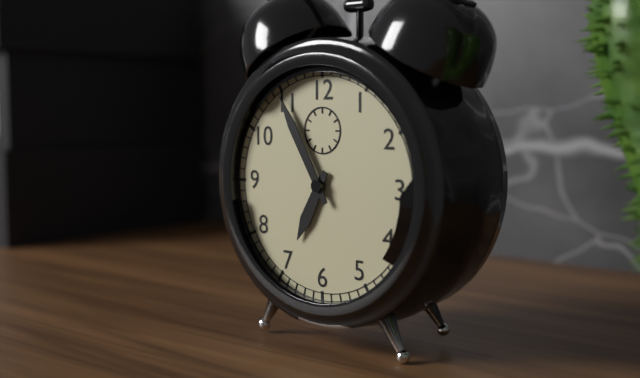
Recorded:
{"hour": 6, "minute": 55}
